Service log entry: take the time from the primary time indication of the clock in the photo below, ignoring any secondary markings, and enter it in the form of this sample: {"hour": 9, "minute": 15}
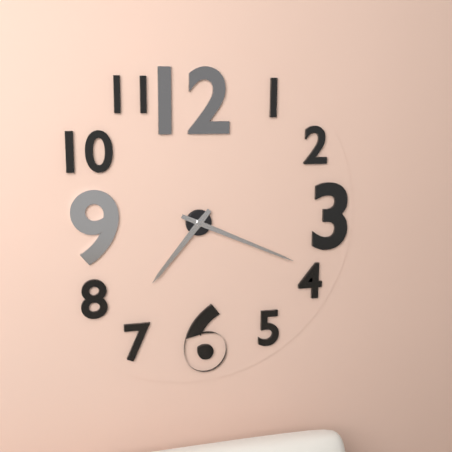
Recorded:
{"hour": 7, "minute": 19}
